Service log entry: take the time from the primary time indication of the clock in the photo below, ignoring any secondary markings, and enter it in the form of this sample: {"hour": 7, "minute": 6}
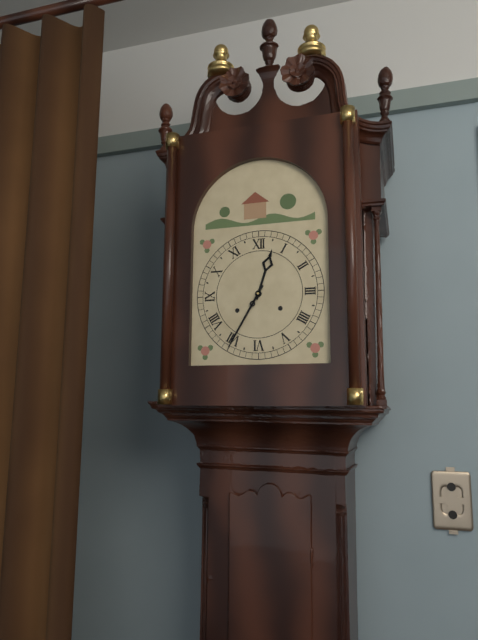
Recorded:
{"hour": 12, "minute": 35}
